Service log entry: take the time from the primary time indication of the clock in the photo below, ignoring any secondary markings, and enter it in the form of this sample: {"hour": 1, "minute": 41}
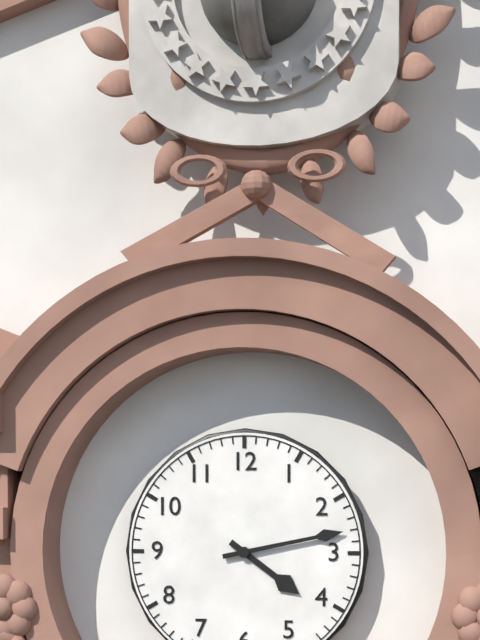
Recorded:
{"hour": 4, "minute": 13}
